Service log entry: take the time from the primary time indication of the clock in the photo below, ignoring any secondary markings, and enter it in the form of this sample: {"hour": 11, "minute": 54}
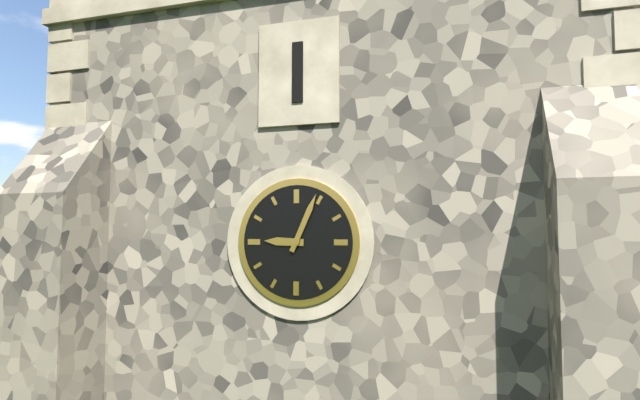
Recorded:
{"hour": 9, "minute": 4}
